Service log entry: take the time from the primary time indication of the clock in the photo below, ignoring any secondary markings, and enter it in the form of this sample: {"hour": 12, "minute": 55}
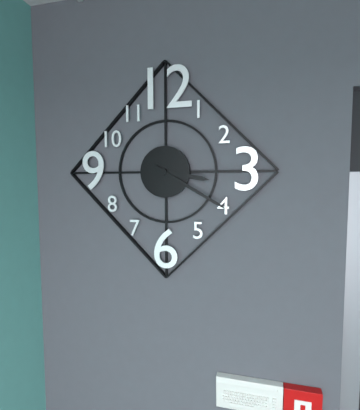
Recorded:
{"hour": 3, "minute": 20}
